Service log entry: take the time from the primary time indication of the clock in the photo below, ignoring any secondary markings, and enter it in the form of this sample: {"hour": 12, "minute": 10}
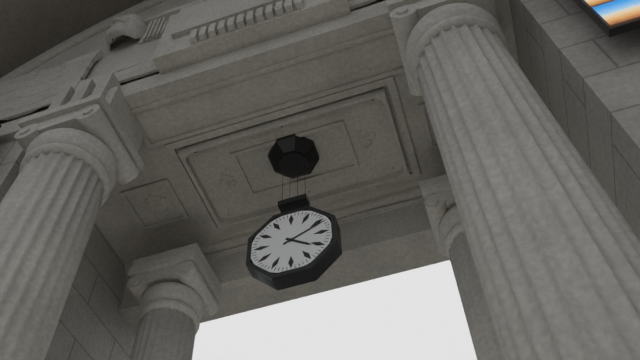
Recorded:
{"hour": 4, "minute": 11}
